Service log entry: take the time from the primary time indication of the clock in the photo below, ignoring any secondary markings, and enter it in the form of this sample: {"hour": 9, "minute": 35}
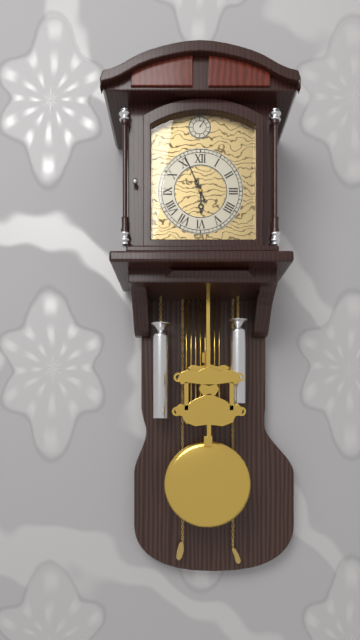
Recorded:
{"hour": 5, "minute": 56}
